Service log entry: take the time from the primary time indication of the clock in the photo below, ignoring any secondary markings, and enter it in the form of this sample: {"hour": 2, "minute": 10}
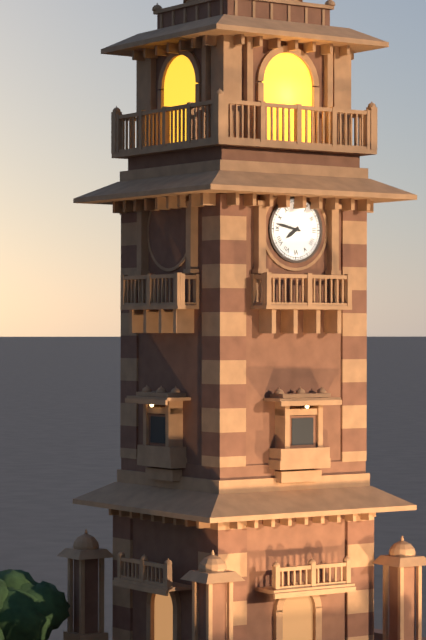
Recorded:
{"hour": 7, "minute": 47}
